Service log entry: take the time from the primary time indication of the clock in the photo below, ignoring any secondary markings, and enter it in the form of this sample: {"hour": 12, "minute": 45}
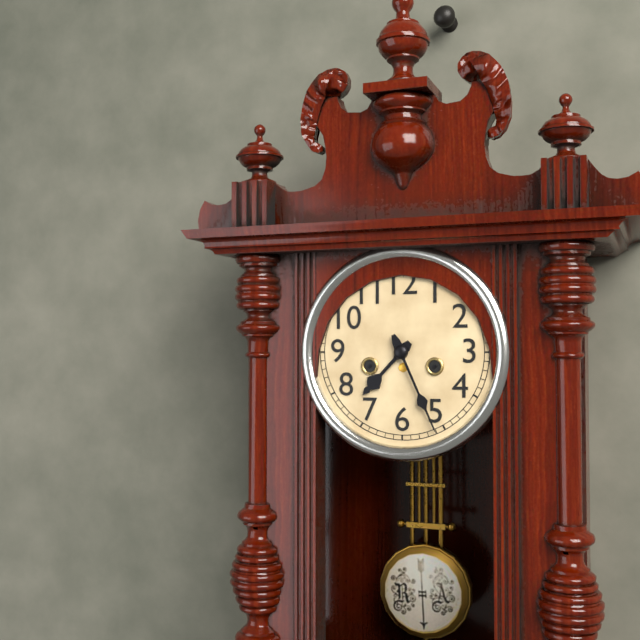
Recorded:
{"hour": 7, "minute": 26}
